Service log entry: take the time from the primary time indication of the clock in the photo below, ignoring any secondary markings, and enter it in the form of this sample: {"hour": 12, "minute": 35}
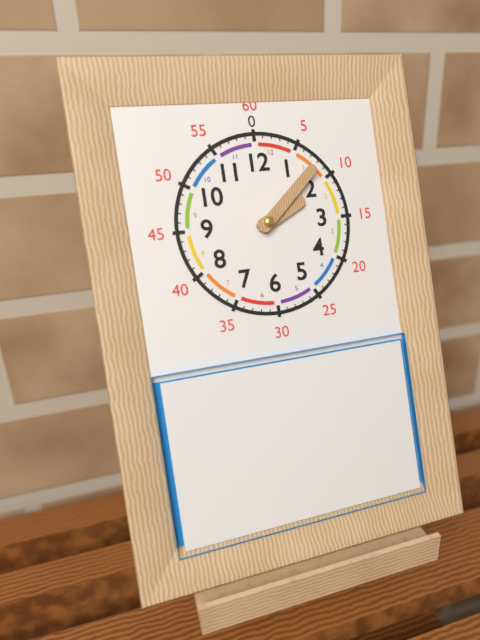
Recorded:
{"hour": 2, "minute": 8}
